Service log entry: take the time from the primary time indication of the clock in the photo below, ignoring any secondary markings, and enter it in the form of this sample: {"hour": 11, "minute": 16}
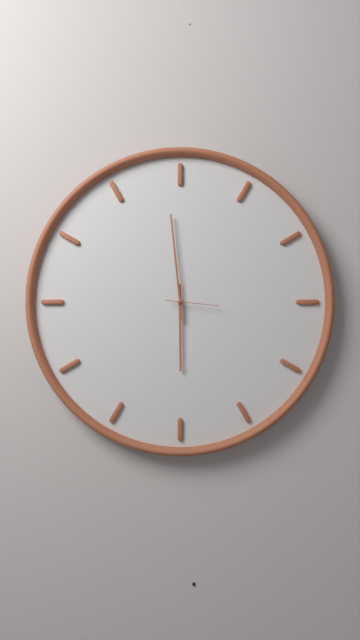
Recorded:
{"hour": 5, "minute": 59}
